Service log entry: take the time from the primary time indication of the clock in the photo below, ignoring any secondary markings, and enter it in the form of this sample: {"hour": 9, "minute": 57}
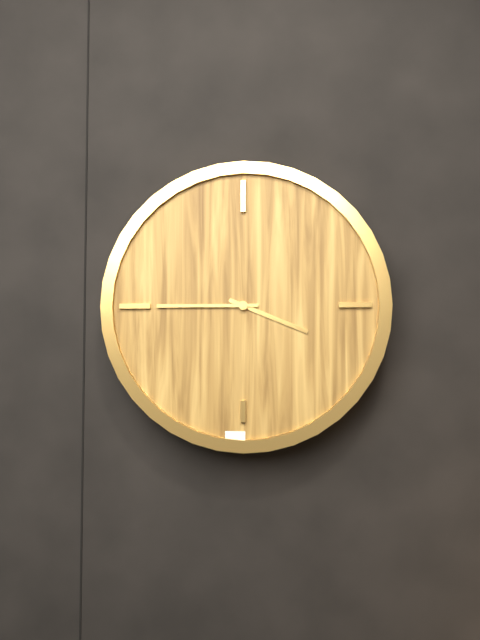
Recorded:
{"hour": 3, "minute": 45}
